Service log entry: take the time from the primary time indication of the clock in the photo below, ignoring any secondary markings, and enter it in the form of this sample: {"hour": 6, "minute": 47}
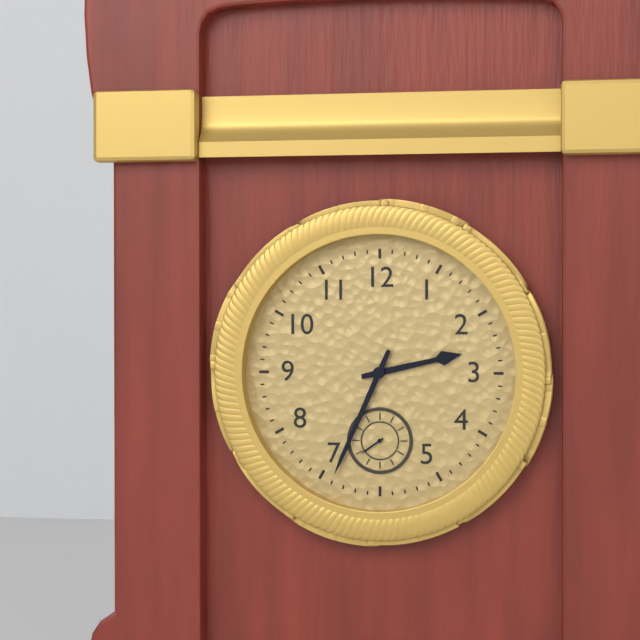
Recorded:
{"hour": 2, "minute": 34}
